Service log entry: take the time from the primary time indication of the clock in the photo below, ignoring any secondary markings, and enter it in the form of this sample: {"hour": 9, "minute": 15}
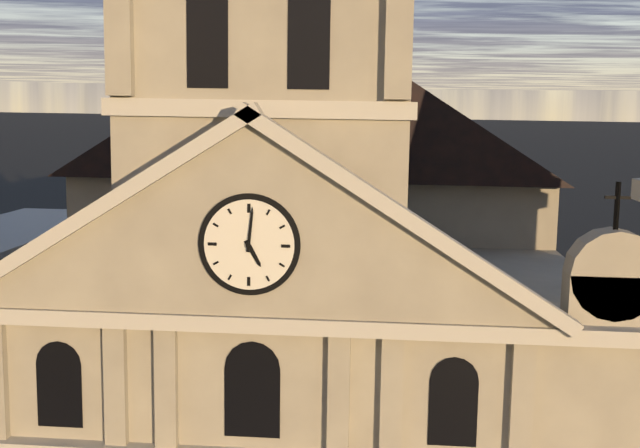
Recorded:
{"hour": 5, "minute": 1}
